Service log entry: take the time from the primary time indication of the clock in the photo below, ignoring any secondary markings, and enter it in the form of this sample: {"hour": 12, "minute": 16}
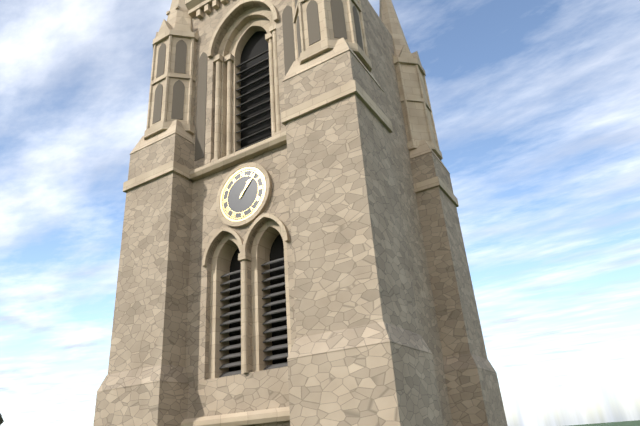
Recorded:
{"hour": 1, "minute": 7}
